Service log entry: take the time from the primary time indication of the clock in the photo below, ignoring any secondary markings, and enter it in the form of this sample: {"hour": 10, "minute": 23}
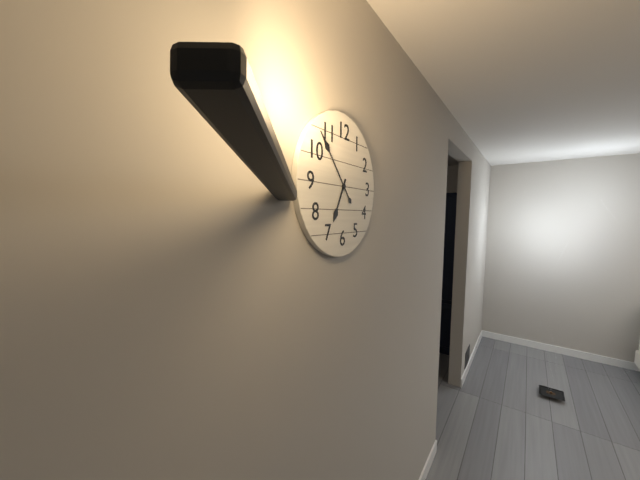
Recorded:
{"hour": 6, "minute": 53}
